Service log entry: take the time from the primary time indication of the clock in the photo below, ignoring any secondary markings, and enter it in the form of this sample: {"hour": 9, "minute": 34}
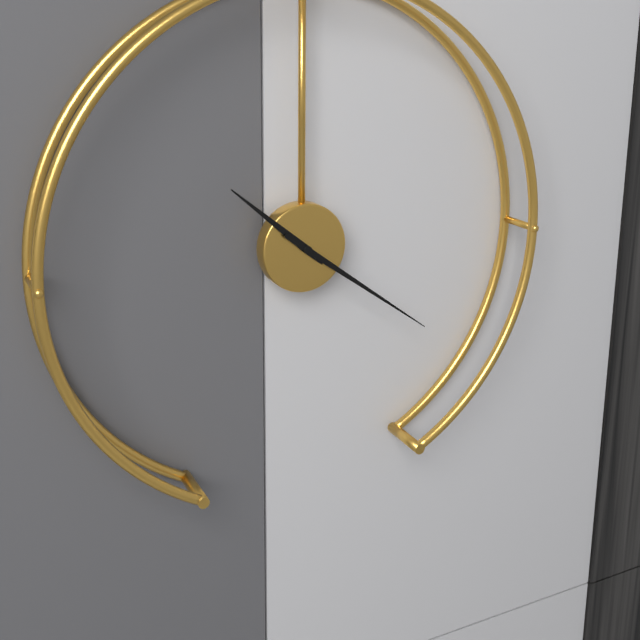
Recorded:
{"hour": 10, "minute": 21}
